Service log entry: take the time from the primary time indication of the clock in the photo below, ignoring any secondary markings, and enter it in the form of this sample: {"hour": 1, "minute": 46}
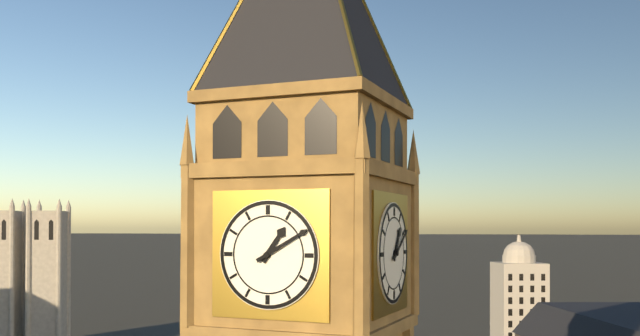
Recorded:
{"hour": 1, "minute": 10}
